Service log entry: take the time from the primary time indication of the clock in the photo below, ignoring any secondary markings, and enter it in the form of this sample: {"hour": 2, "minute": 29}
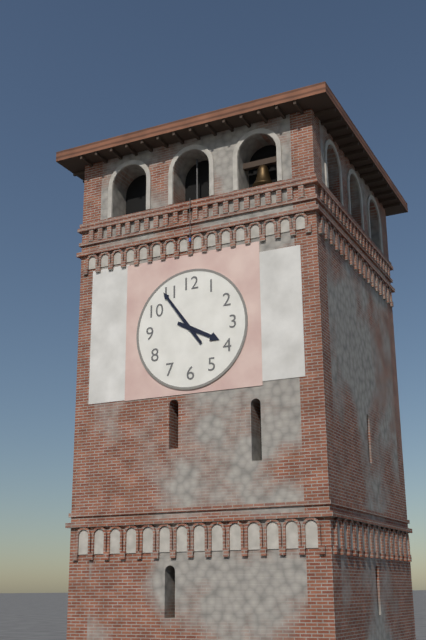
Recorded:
{"hour": 3, "minute": 54}
